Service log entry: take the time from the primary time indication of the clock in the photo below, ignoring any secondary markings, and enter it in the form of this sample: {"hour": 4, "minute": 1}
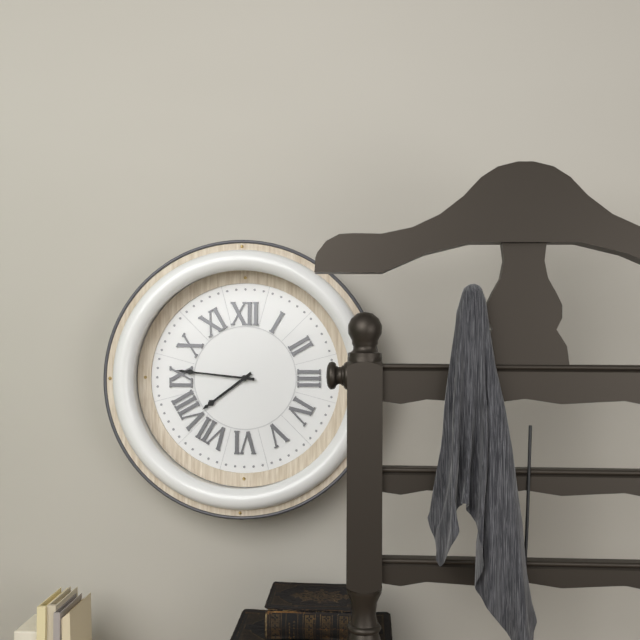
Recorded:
{"hour": 7, "minute": 46}
